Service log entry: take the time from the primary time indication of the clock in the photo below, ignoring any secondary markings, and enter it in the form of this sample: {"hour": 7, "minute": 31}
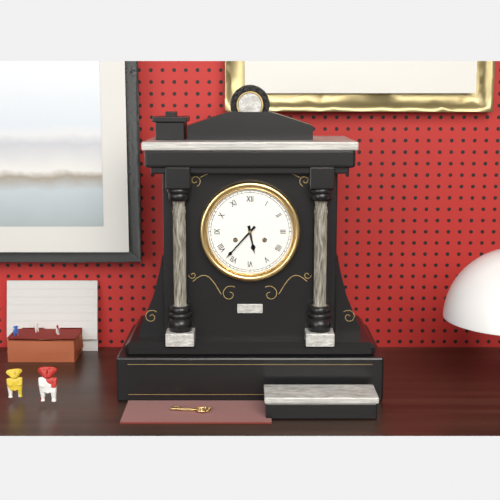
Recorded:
{"hour": 5, "minute": 37}
